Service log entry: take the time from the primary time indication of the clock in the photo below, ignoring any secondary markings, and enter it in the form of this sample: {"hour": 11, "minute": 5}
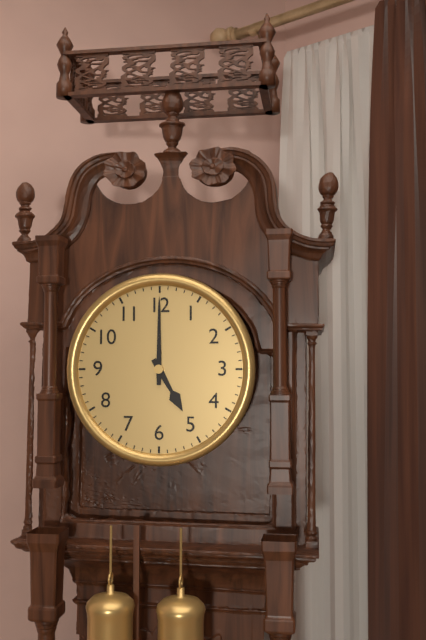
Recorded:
{"hour": 5, "minute": 0}
